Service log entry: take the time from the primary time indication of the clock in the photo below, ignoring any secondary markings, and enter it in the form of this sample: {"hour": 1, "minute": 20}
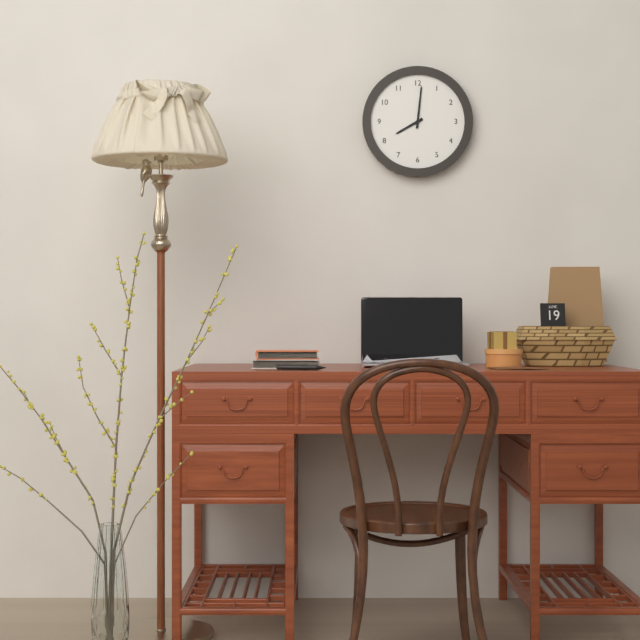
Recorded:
{"hour": 8, "minute": 1}
